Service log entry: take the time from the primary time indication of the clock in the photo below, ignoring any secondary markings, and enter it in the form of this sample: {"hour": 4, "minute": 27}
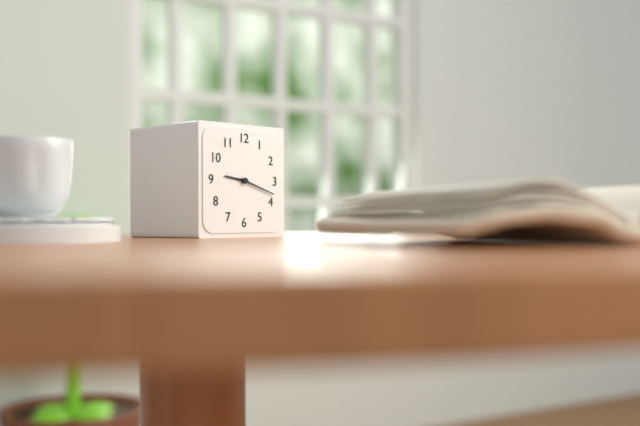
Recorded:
{"hour": 9, "minute": 18}
